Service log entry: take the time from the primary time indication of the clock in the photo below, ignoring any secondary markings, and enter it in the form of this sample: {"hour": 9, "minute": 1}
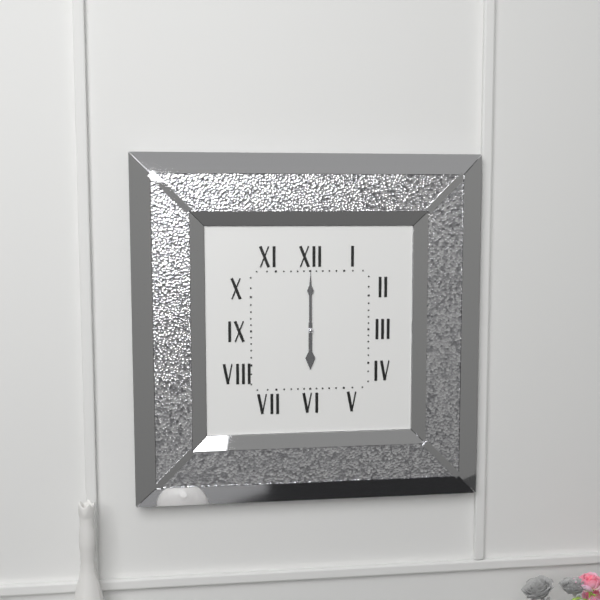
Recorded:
{"hour": 6, "minute": 0}
